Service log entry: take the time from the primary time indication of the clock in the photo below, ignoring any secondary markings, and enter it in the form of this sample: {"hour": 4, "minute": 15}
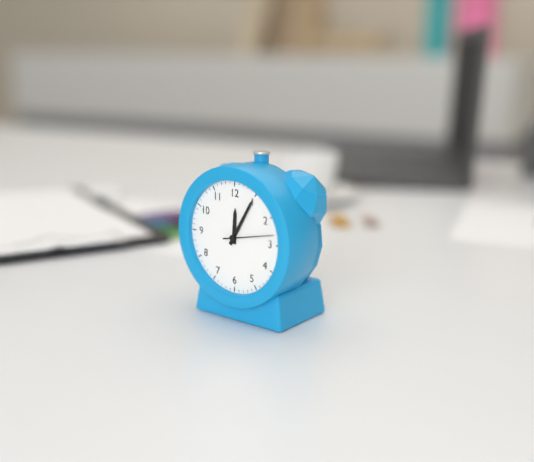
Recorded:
{"hour": 12, "minute": 5}
